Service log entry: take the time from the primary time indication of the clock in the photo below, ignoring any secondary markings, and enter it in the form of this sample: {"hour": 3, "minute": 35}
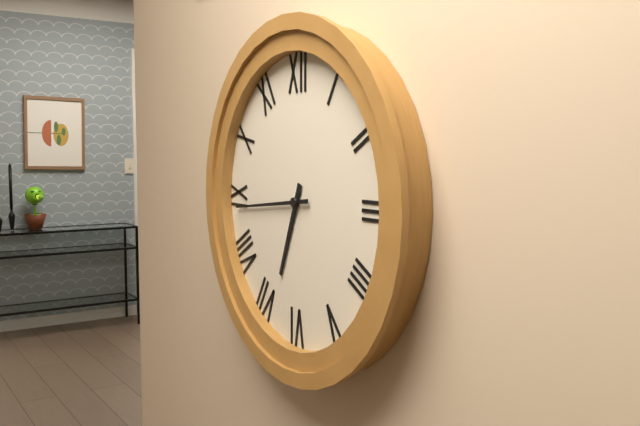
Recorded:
{"hour": 6, "minute": 44}
